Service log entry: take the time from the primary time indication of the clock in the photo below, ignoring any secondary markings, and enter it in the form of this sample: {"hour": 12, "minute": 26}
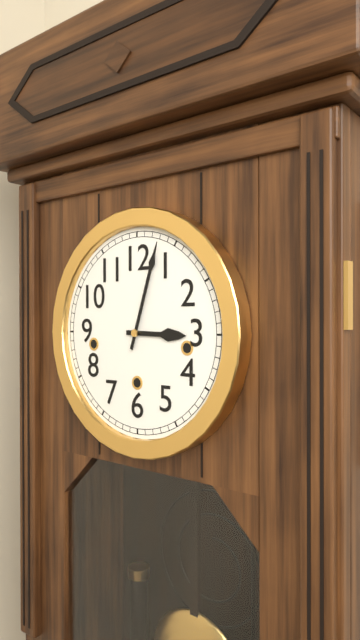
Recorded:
{"hour": 3, "minute": 3}
